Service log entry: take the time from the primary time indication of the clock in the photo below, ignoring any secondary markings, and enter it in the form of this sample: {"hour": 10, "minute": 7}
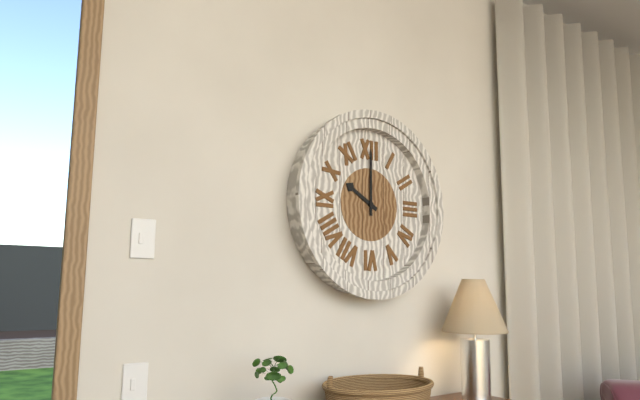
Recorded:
{"hour": 10, "minute": 0}
